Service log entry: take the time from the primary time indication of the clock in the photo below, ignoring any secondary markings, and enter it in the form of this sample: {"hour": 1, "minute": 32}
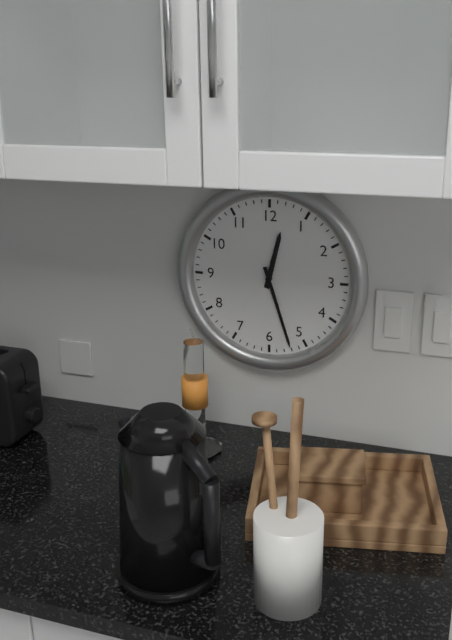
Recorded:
{"hour": 12, "minute": 27}
